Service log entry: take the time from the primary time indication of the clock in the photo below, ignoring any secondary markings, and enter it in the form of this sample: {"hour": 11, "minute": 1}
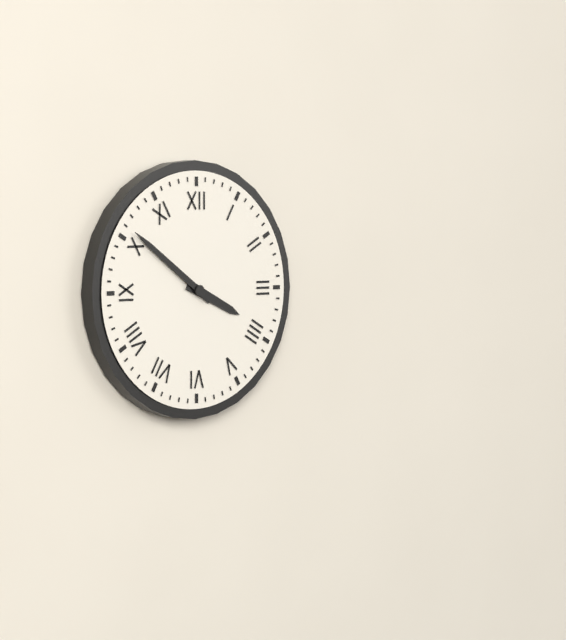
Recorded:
{"hour": 3, "minute": 51}
